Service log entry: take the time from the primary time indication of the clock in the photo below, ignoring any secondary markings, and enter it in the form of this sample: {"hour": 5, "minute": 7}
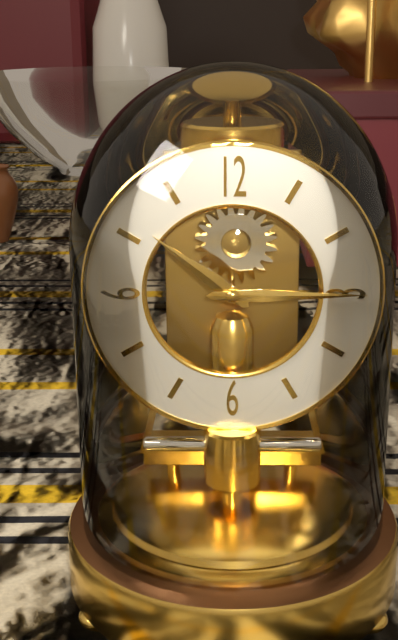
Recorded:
{"hour": 10, "minute": 15}
